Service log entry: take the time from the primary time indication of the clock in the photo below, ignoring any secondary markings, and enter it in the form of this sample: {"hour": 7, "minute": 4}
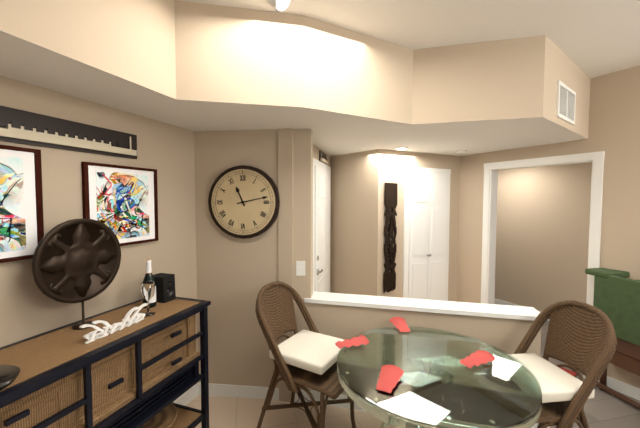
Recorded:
{"hour": 11, "minute": 13}
